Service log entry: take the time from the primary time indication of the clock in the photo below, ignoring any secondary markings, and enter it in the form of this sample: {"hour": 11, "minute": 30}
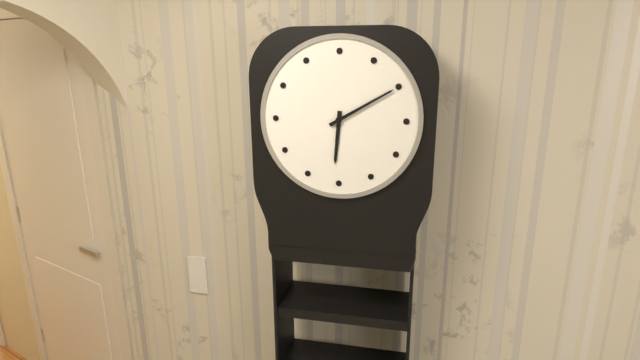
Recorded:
{"hour": 6, "minute": 10}
